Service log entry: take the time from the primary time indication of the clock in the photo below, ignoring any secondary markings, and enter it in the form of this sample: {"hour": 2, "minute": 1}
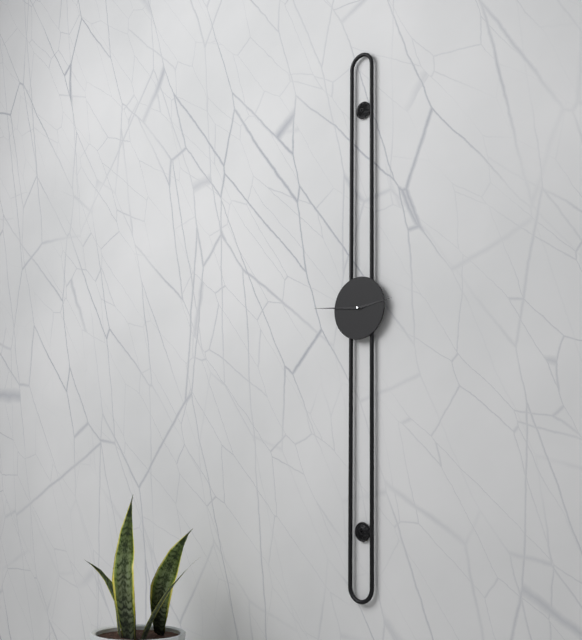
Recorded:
{"hour": 2, "minute": 46}
